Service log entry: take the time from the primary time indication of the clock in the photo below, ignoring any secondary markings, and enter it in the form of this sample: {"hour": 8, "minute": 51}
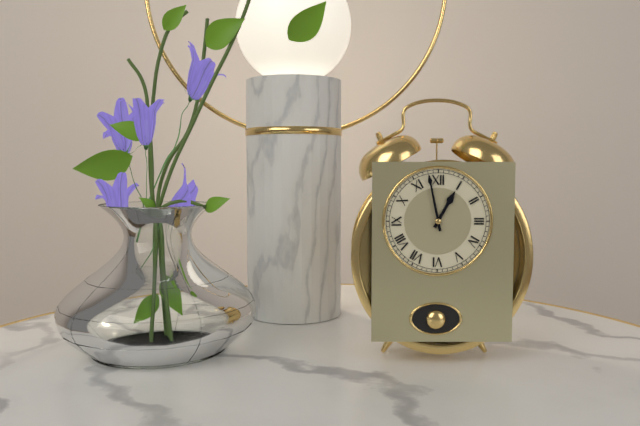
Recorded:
{"hour": 12, "minute": 58}
